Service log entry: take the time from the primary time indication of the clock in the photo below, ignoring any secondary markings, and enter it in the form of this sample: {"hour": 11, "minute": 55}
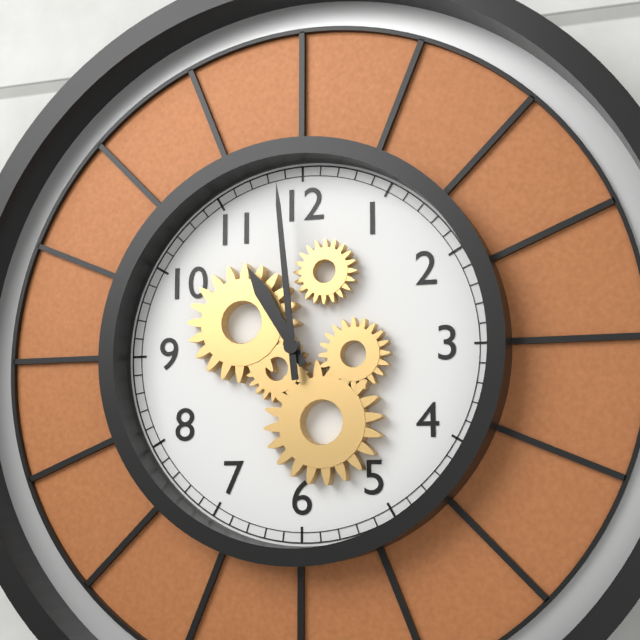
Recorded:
{"hour": 10, "minute": 59}
